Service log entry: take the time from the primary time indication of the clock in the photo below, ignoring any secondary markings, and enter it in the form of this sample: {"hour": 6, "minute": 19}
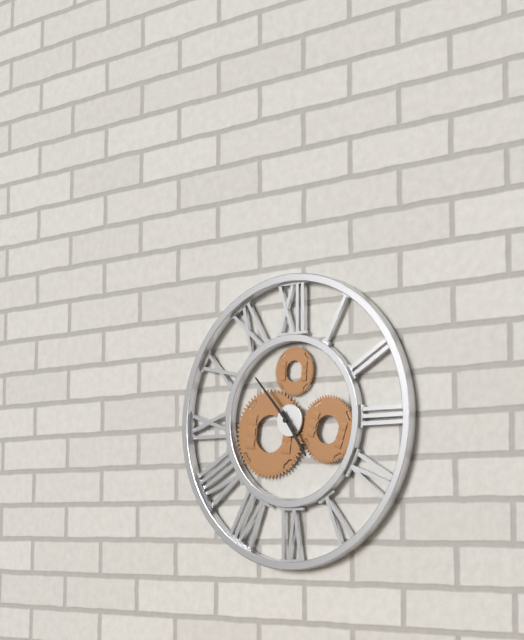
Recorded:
{"hour": 4, "minute": 53}
